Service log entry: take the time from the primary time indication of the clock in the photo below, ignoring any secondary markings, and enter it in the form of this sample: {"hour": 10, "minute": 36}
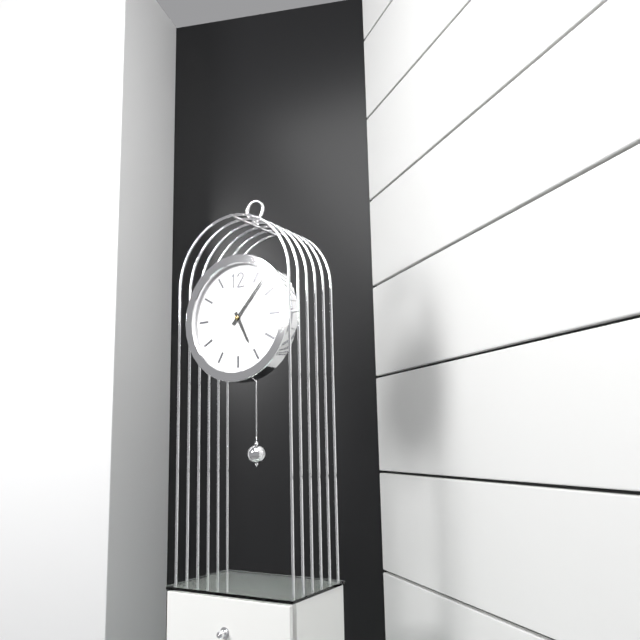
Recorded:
{"hour": 5, "minute": 7}
